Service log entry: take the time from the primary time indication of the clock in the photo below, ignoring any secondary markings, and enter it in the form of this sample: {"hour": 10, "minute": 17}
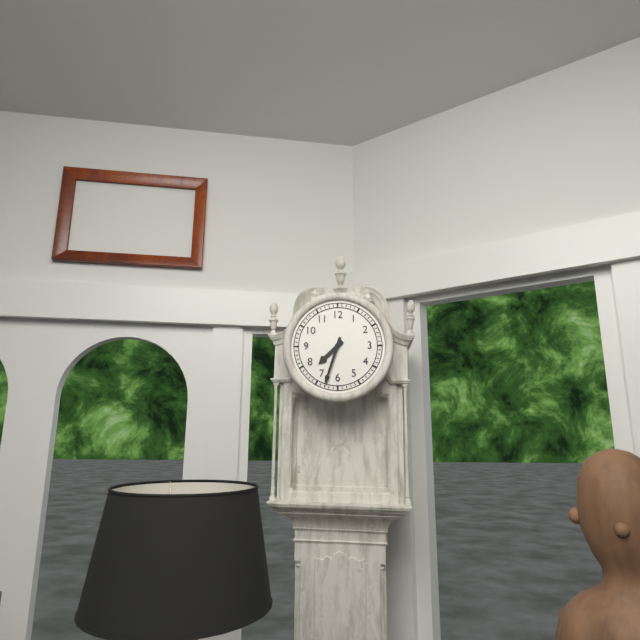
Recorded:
{"hour": 7, "minute": 33}
